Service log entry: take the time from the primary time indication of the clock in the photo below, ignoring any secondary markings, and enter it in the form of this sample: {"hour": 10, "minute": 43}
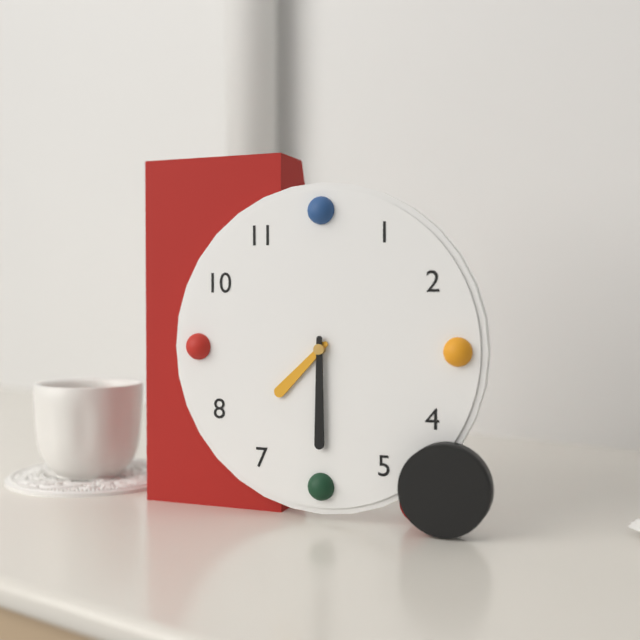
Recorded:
{"hour": 7, "minute": 30}
